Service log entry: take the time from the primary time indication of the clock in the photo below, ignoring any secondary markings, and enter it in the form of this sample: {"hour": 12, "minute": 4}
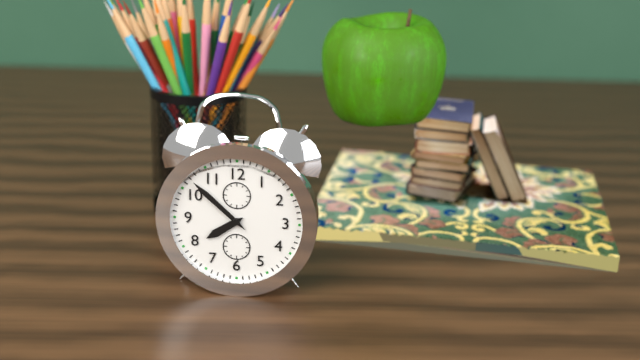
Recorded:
{"hour": 7, "minute": 52}
